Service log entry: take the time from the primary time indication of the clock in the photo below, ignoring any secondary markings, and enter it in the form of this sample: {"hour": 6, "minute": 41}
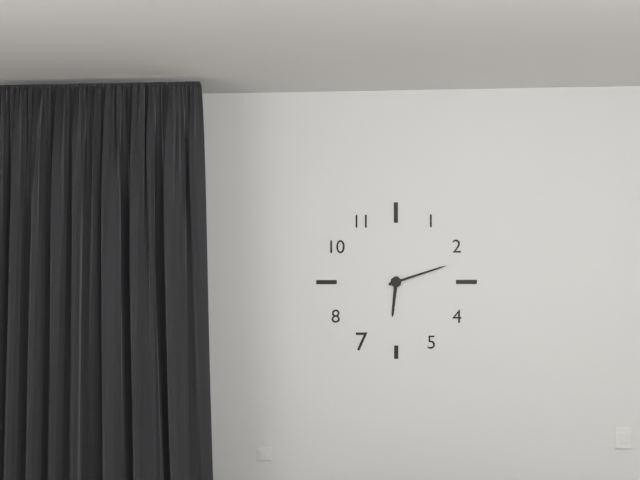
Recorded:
{"hour": 6, "minute": 12}
